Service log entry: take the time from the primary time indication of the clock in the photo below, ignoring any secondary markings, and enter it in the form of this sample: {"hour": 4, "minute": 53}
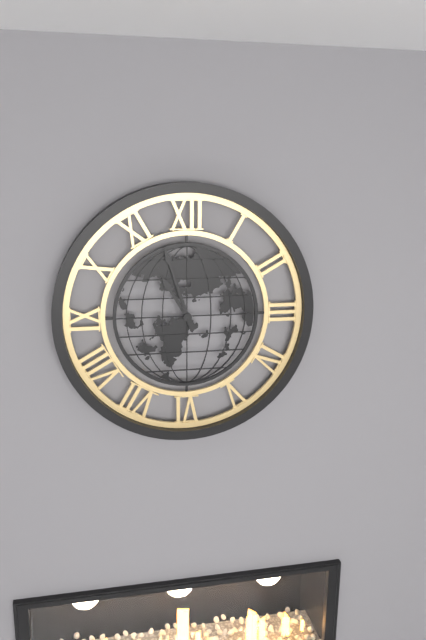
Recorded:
{"hour": 10, "minute": 57}
